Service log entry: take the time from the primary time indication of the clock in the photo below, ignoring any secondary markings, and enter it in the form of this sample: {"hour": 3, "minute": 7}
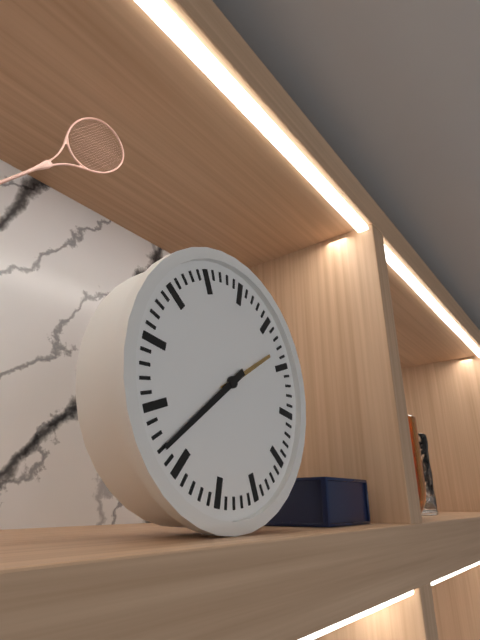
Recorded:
{"hour": 1, "minute": 37}
